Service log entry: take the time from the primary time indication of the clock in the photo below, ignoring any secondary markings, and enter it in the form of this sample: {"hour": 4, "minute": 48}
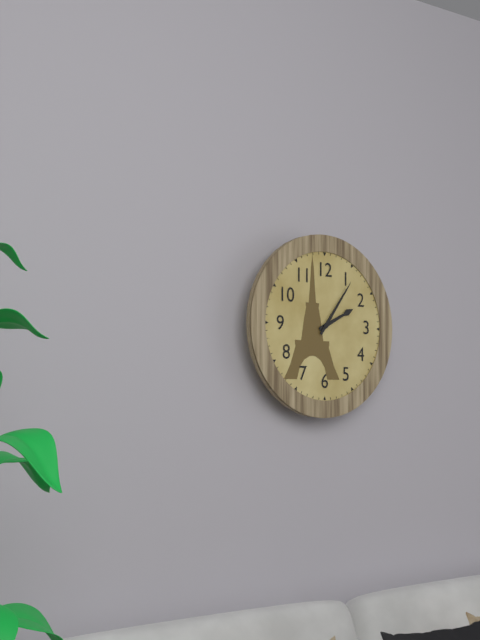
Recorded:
{"hour": 2, "minute": 6}
